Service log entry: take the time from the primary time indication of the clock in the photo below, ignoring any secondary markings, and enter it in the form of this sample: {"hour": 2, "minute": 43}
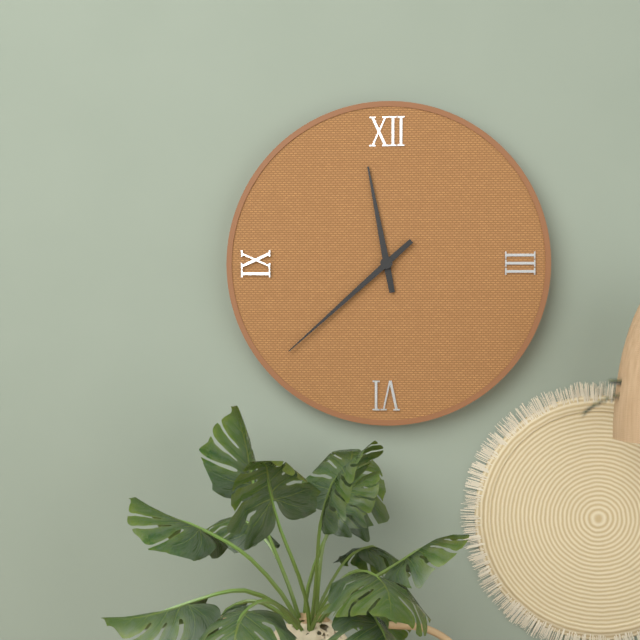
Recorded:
{"hour": 11, "minute": 38}
